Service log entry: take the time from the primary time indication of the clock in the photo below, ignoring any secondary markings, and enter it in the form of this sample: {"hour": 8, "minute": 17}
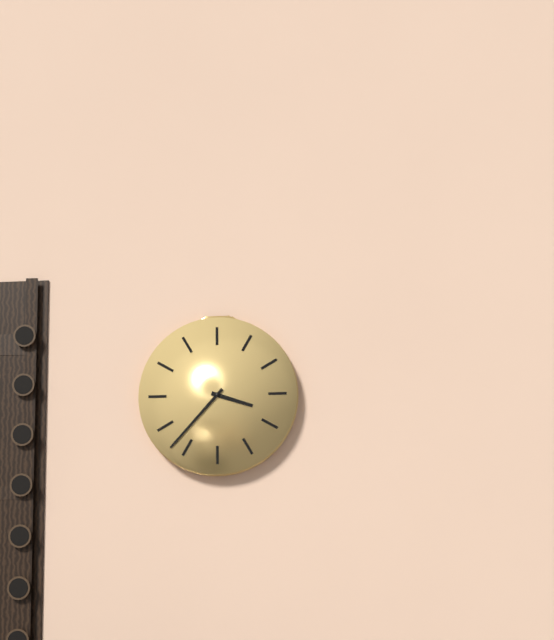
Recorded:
{"hour": 3, "minute": 37}
